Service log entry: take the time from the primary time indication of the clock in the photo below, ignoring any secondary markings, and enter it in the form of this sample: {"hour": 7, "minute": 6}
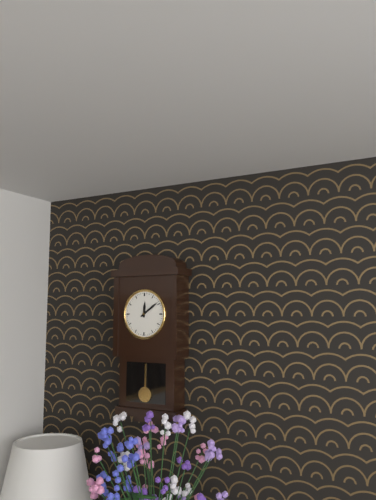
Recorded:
{"hour": 12, "minute": 9}
